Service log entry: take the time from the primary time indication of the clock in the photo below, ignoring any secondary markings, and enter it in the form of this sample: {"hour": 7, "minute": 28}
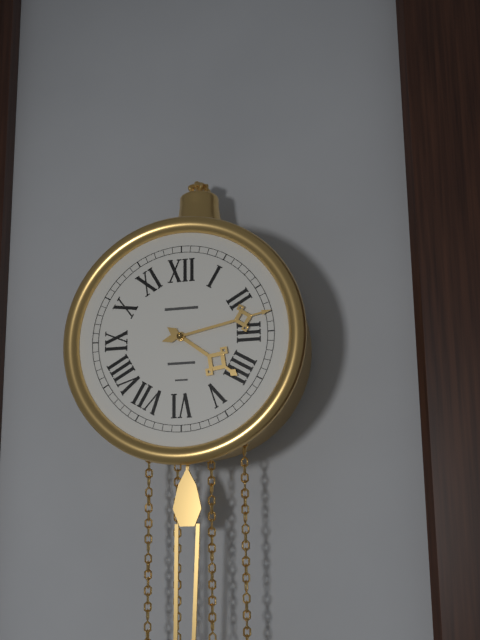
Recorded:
{"hour": 4, "minute": 13}
